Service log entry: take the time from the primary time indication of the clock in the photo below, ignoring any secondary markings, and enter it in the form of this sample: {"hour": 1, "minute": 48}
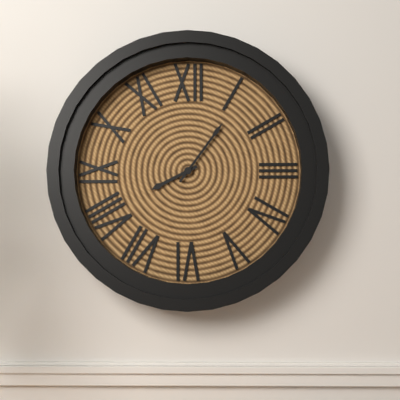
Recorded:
{"hour": 8, "minute": 6}
